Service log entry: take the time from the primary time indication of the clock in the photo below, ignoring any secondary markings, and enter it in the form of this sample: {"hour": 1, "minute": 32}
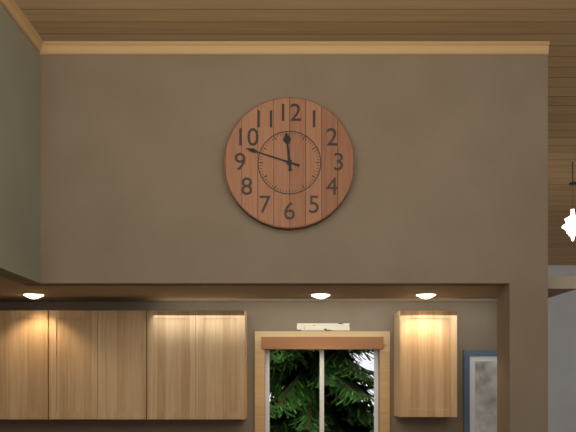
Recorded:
{"hour": 11, "minute": 48}
